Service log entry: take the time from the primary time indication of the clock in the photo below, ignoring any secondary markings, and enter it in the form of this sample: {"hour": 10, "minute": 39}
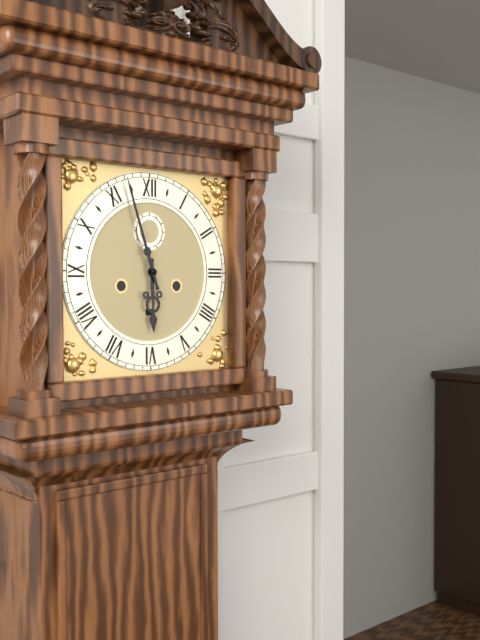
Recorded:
{"hour": 5, "minute": 57}
